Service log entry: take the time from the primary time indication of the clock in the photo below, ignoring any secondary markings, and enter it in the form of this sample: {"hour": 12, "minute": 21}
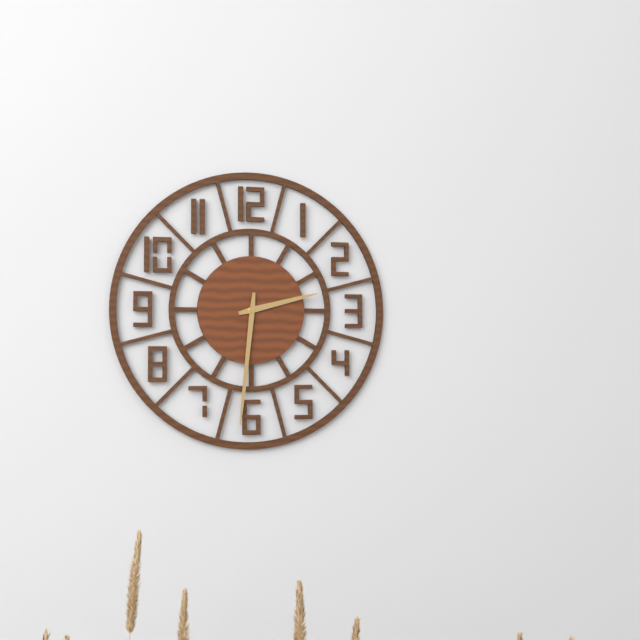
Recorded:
{"hour": 2, "minute": 31}
